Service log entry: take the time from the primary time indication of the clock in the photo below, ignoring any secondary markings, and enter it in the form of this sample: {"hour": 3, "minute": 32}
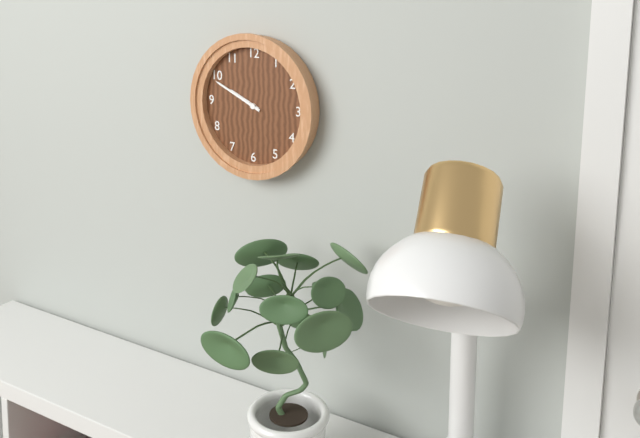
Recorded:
{"hour": 9, "minute": 49}
